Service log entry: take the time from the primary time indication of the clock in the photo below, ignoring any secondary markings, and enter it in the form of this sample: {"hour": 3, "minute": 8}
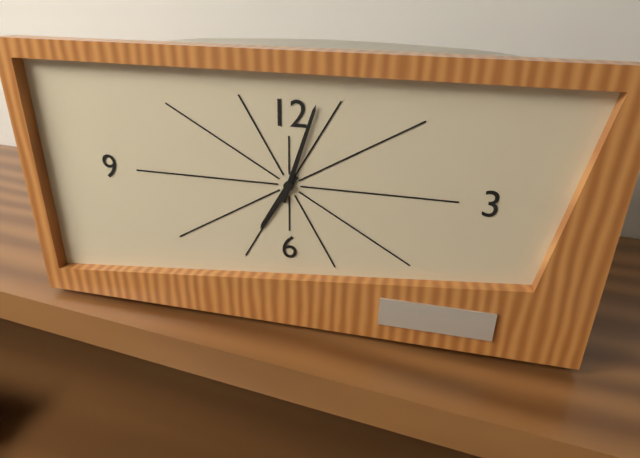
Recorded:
{"hour": 7, "minute": 3}
